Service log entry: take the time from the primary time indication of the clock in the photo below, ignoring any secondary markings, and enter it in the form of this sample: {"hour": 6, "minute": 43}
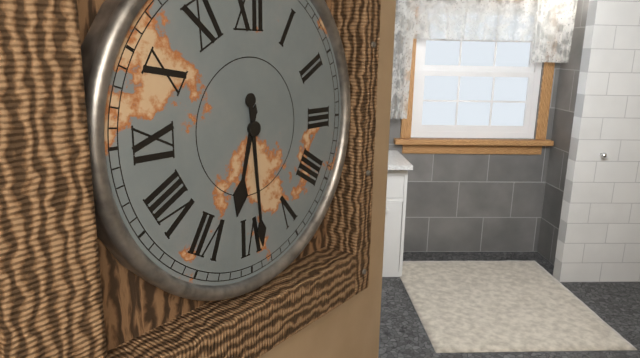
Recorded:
{"hour": 6, "minute": 29}
